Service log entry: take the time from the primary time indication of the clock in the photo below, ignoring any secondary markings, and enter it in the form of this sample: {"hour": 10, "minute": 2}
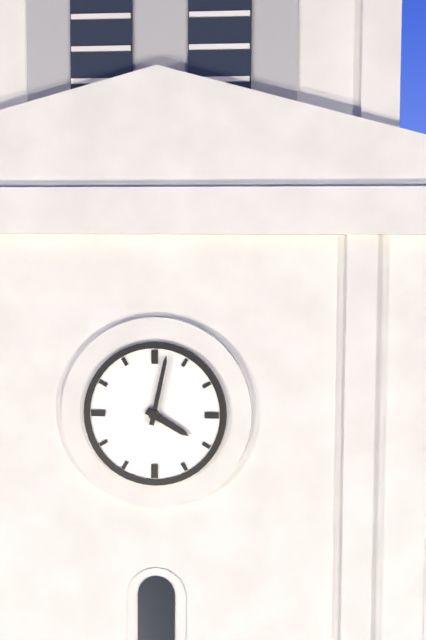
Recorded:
{"hour": 4, "minute": 2}
